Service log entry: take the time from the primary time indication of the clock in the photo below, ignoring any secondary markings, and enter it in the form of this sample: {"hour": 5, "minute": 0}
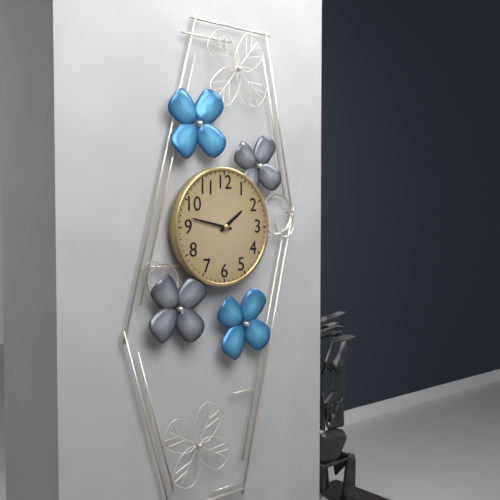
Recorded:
{"hour": 1, "minute": 47}
